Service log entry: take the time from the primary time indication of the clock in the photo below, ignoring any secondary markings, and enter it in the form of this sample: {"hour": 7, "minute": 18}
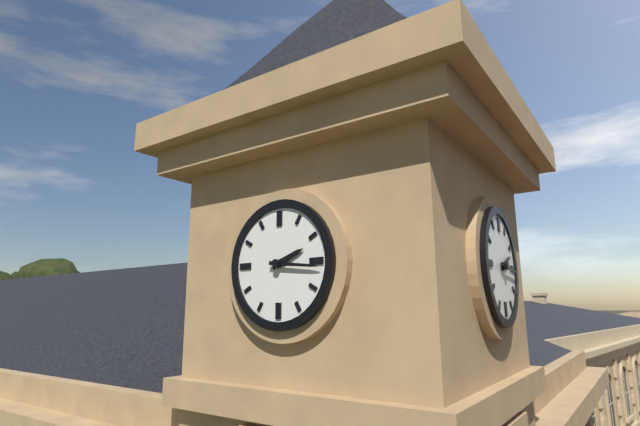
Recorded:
{"hour": 2, "minute": 16}
